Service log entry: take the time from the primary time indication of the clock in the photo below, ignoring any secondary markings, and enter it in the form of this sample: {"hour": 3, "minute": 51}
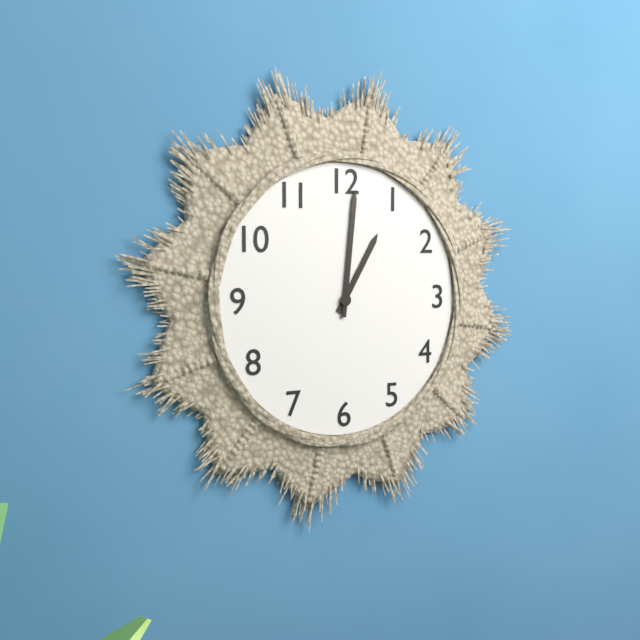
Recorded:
{"hour": 1, "minute": 1}
